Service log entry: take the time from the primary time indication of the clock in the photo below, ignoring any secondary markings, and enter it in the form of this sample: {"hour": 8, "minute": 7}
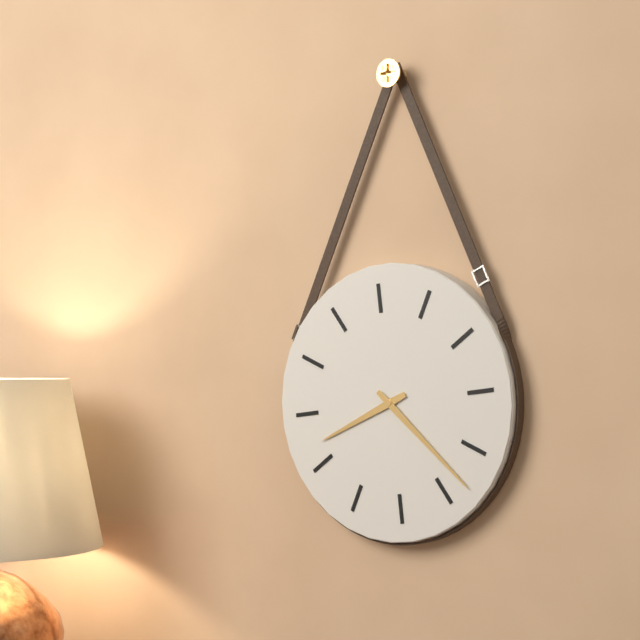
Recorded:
{"hour": 8, "minute": 23}
